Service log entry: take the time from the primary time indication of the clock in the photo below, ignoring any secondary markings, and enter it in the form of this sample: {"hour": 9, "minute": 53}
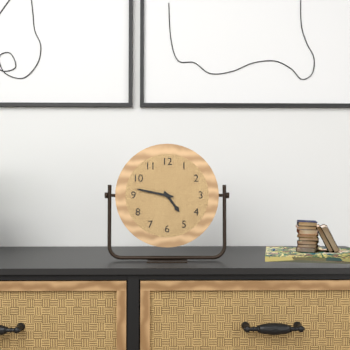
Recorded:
{"hour": 4, "minute": 47}
